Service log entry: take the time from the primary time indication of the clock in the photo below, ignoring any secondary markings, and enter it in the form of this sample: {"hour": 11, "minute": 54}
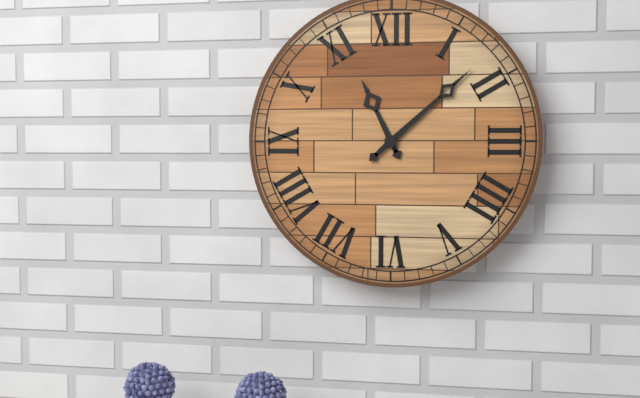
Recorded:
{"hour": 11, "minute": 8}
